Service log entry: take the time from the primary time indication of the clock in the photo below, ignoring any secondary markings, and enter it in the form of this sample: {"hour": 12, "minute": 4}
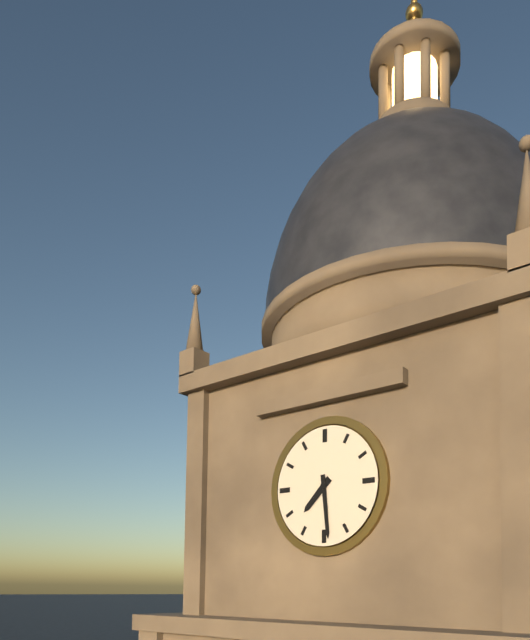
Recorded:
{"hour": 7, "minute": 29}
